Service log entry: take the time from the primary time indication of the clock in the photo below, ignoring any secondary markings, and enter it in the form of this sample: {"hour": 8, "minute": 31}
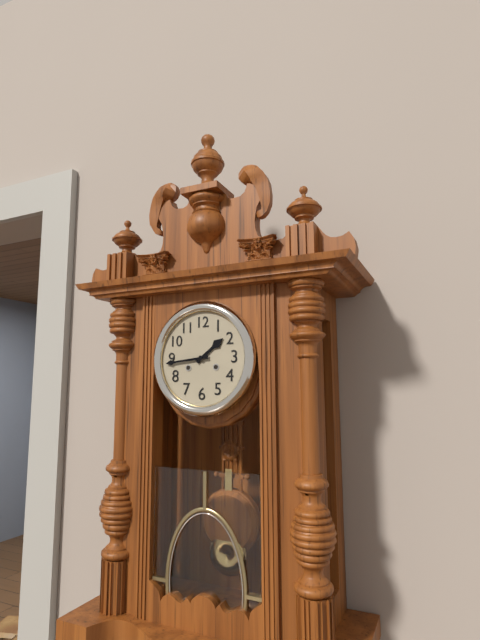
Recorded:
{"hour": 1, "minute": 44}
